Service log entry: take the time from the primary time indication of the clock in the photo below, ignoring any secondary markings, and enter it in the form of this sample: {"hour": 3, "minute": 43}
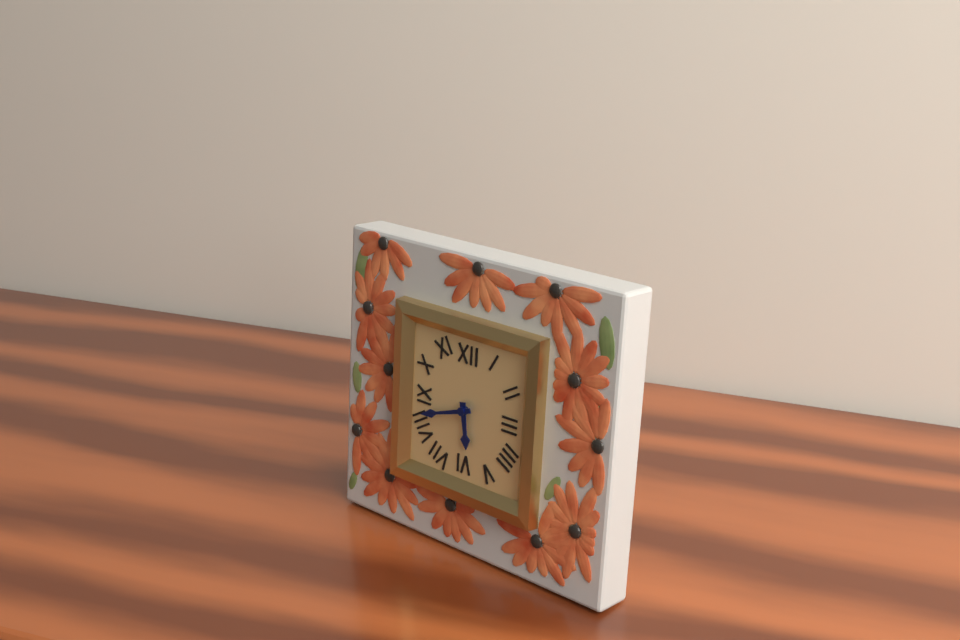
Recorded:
{"hour": 5, "minute": 42}
